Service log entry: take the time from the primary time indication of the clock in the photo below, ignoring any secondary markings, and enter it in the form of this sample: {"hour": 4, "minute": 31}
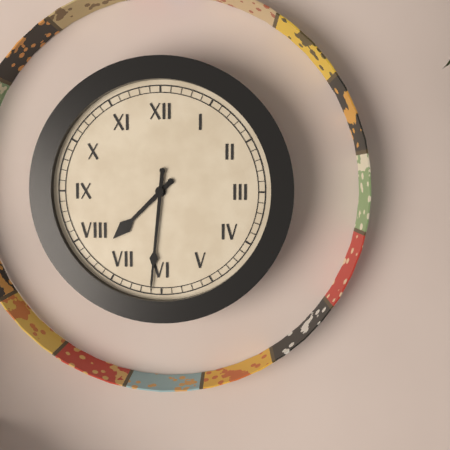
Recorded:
{"hour": 7, "minute": 31}
